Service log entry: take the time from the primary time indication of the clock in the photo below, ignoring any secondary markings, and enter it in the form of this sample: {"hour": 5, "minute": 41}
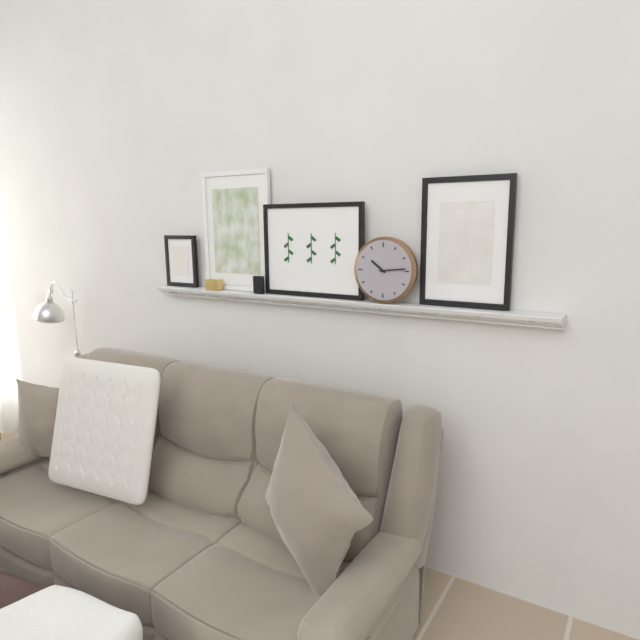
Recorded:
{"hour": 10, "minute": 14}
